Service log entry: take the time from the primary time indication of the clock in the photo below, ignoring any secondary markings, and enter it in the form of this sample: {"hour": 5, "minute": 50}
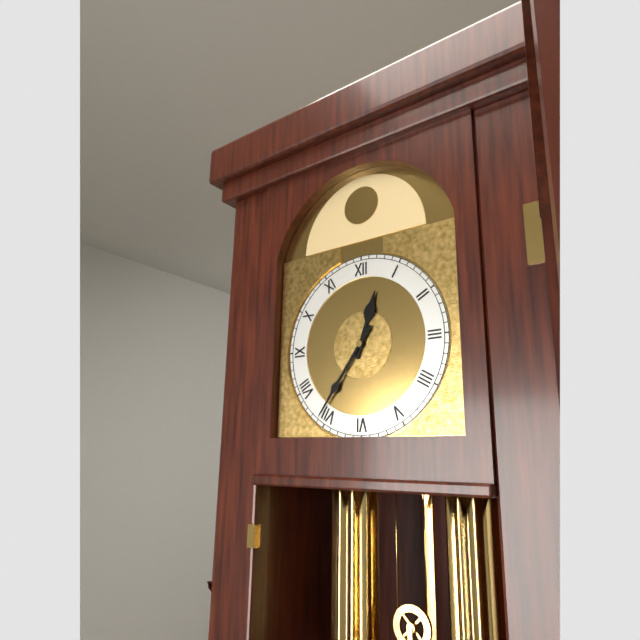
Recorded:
{"hour": 12, "minute": 36}
